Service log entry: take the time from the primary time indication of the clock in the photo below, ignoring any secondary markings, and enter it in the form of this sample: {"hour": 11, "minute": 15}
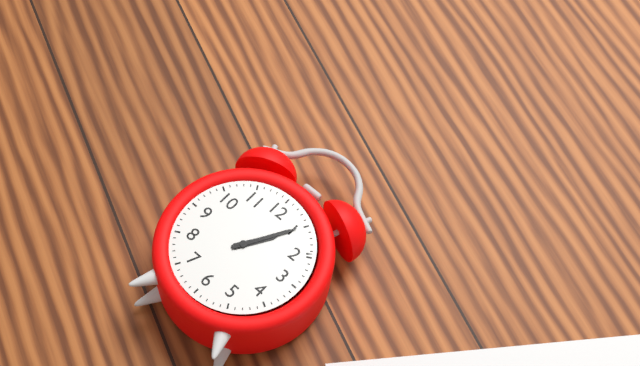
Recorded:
{"hour": 1, "minute": 5}
